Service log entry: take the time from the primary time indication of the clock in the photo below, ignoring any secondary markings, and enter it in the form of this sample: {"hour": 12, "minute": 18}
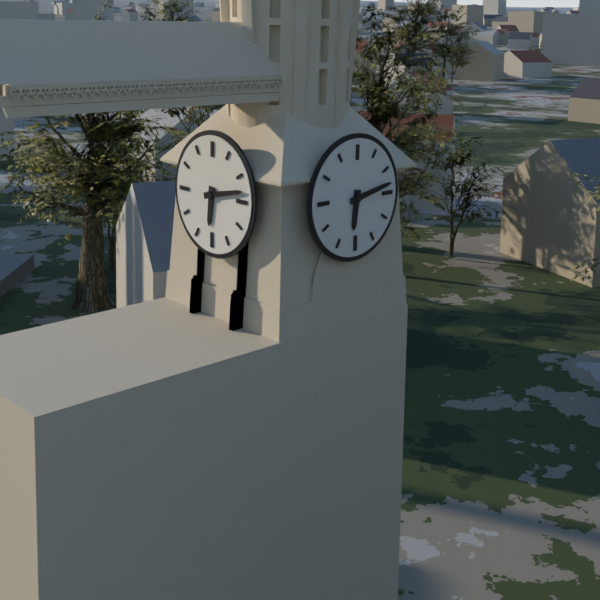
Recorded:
{"hour": 6, "minute": 13}
